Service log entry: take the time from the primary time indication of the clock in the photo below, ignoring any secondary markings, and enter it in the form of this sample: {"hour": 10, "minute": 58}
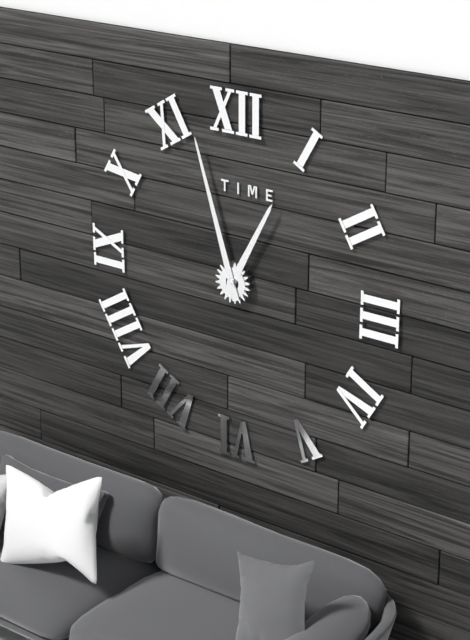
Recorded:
{"hour": 12, "minute": 57}
